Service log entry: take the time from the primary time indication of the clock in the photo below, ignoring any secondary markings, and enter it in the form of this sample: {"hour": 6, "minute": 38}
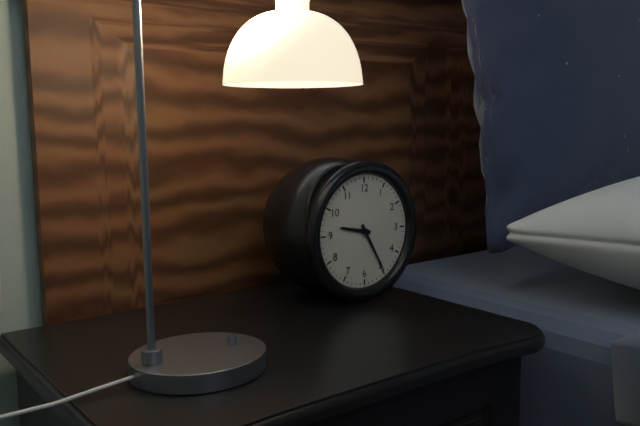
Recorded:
{"hour": 9, "minute": 25}
